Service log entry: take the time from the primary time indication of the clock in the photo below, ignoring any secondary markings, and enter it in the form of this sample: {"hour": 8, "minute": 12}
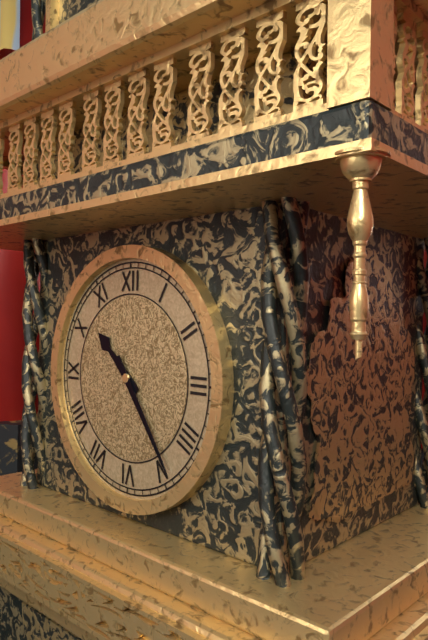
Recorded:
{"hour": 10, "minute": 24}
